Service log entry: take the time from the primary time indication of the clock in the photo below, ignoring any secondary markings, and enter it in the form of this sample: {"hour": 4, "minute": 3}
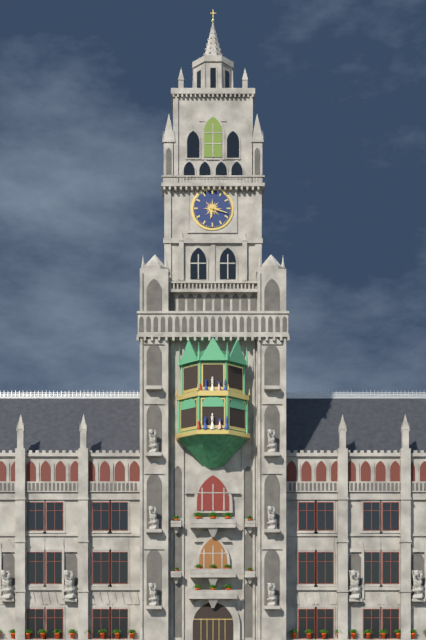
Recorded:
{"hour": 6, "minute": 18}
